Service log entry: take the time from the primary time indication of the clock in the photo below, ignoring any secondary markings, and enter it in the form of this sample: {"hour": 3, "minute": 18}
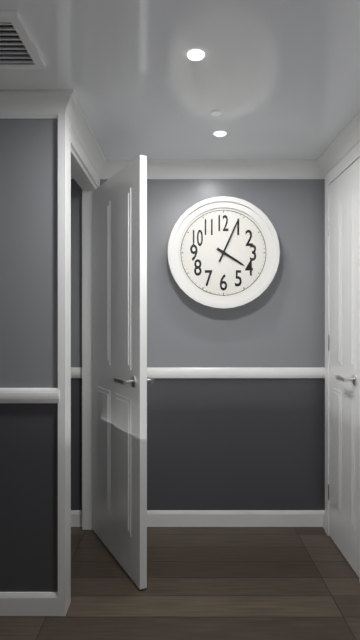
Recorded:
{"hour": 4, "minute": 4}
